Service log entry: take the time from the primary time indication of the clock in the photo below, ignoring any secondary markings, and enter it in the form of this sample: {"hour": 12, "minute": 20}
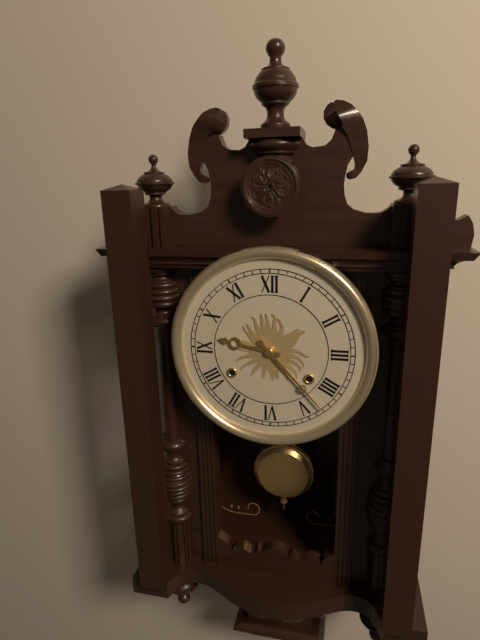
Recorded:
{"hour": 9, "minute": 23}
